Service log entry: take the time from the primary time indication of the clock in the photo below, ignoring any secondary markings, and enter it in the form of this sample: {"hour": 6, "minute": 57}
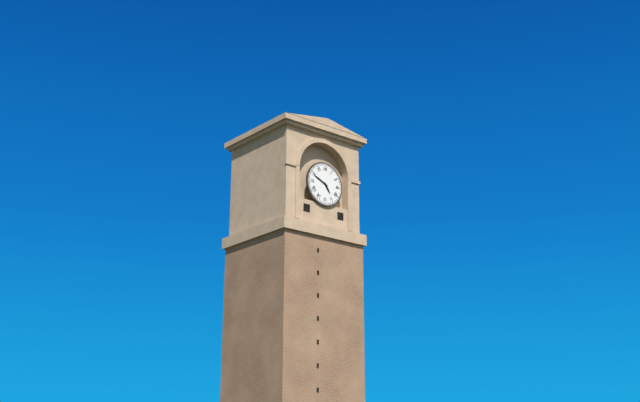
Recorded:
{"hour": 4, "minute": 49}
